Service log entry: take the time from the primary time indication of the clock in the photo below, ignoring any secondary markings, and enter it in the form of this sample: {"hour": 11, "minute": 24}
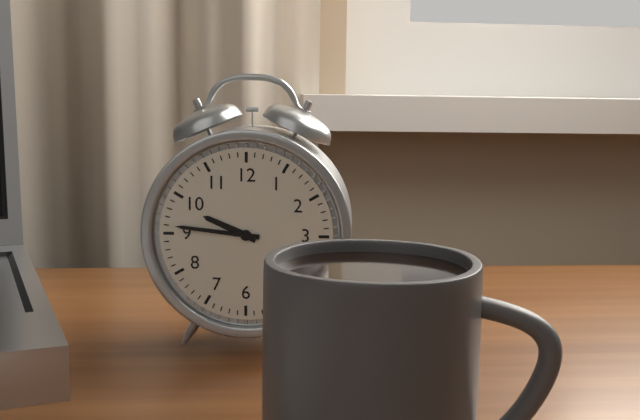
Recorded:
{"hour": 9, "minute": 46}
